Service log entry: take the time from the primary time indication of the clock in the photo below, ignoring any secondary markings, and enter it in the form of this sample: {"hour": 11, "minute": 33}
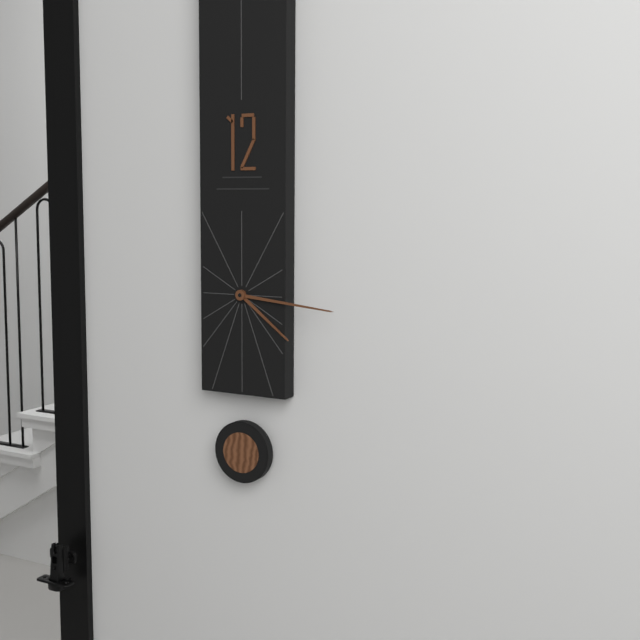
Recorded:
{"hour": 4, "minute": 16}
